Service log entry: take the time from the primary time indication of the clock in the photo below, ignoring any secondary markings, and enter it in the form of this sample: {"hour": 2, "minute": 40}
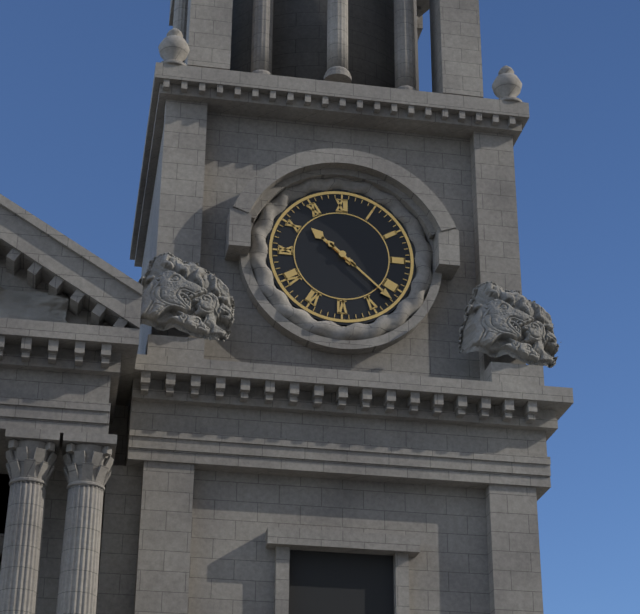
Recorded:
{"hour": 10, "minute": 22}
